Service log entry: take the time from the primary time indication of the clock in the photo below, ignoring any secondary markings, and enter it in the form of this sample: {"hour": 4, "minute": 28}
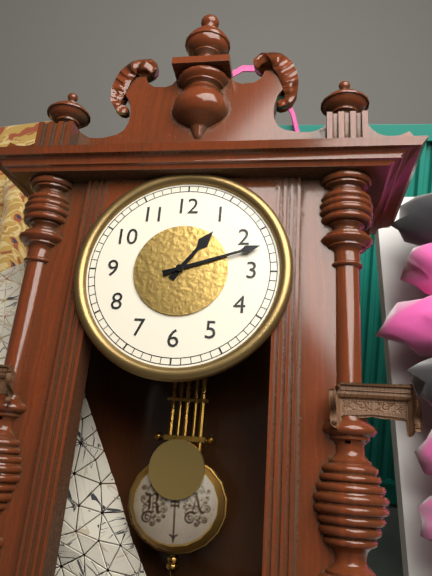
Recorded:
{"hour": 1, "minute": 12}
